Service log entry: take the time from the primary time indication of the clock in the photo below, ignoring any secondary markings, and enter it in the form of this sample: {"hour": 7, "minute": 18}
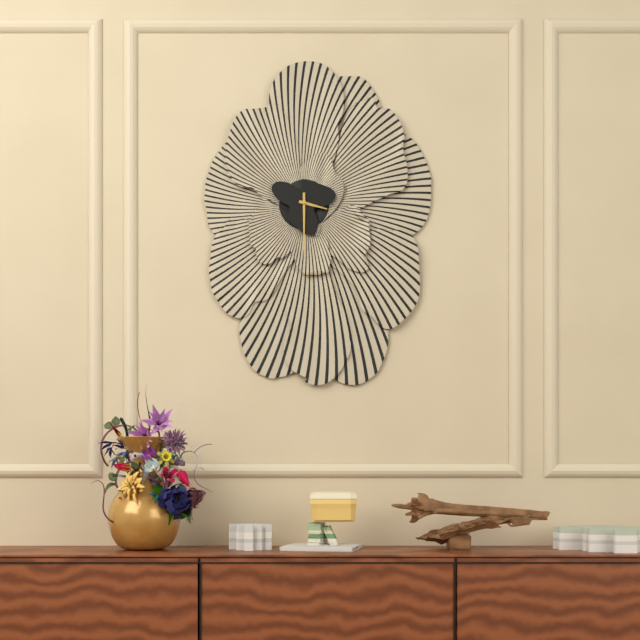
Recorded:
{"hour": 3, "minute": 30}
